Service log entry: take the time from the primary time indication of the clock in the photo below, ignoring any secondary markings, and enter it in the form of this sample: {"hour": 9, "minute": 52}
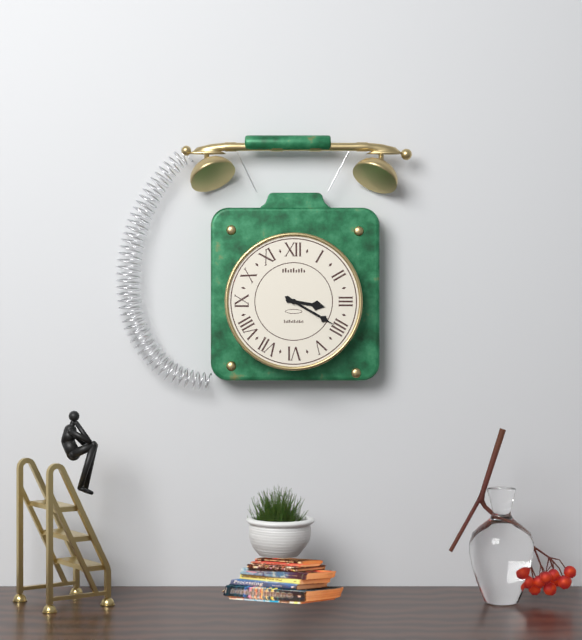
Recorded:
{"hour": 3, "minute": 20}
